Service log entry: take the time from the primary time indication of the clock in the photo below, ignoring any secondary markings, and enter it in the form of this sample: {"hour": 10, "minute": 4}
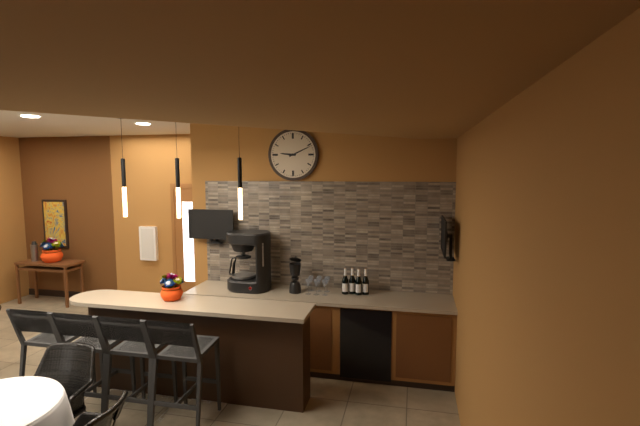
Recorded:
{"hour": 9, "minute": 11}
